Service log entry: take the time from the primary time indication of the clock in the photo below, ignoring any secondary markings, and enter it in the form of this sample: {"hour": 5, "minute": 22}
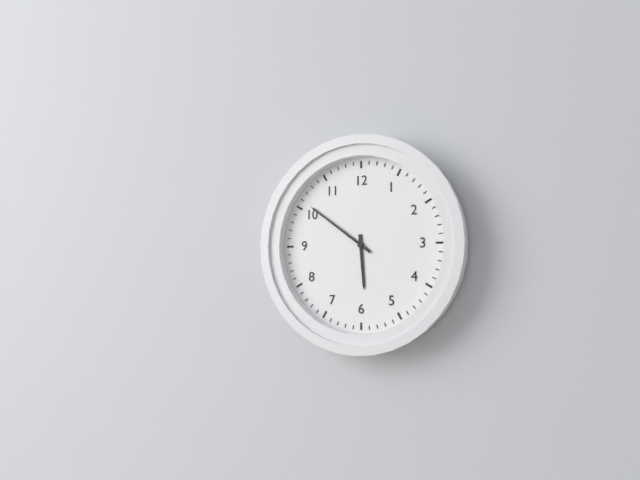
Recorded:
{"hour": 5, "minute": 51}
